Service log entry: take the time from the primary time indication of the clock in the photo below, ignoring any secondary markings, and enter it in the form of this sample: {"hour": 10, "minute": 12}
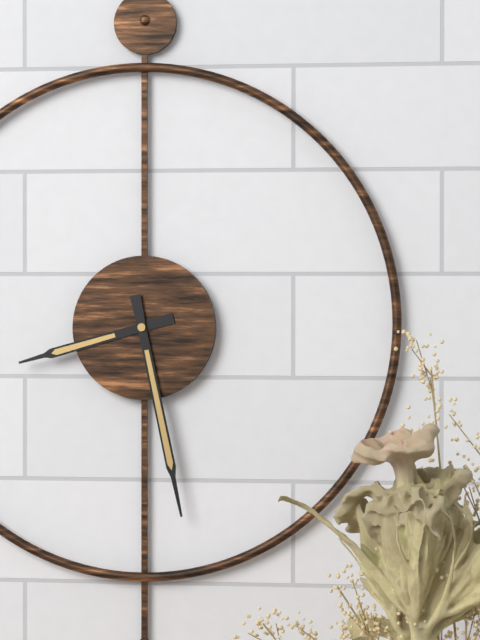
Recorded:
{"hour": 8, "minute": 28}
